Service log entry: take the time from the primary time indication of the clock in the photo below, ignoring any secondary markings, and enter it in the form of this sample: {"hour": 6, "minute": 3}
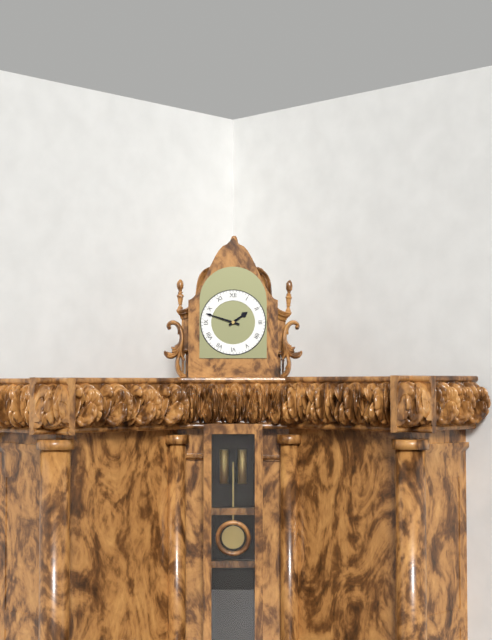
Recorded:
{"hour": 1, "minute": 48}
